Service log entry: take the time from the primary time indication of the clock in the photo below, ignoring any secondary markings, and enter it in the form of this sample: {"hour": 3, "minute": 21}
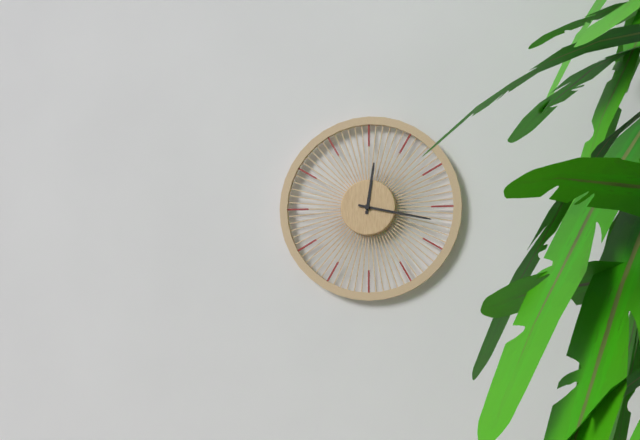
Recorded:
{"hour": 12, "minute": 17}
